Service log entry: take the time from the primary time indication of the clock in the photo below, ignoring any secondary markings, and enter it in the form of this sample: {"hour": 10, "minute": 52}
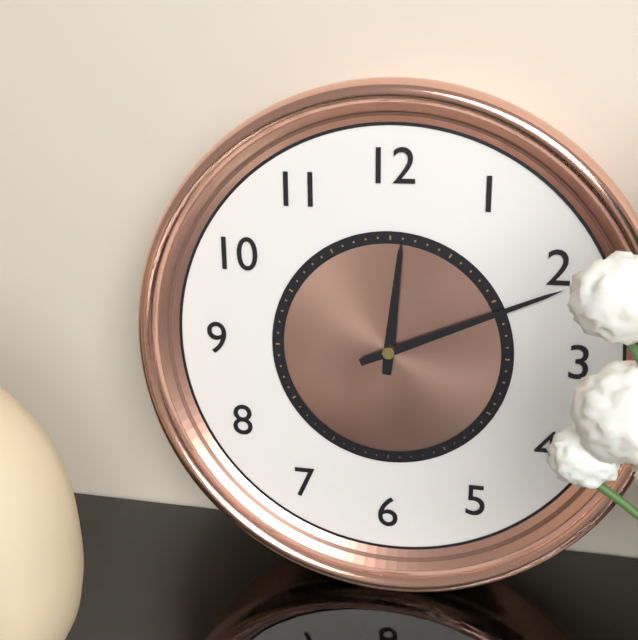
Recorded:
{"hour": 12, "minute": 11}
